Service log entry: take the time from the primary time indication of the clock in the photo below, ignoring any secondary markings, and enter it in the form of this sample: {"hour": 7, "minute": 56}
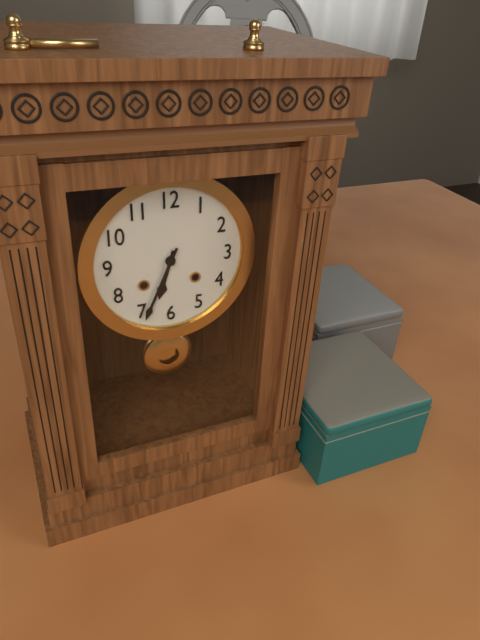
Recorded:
{"hour": 6, "minute": 34}
